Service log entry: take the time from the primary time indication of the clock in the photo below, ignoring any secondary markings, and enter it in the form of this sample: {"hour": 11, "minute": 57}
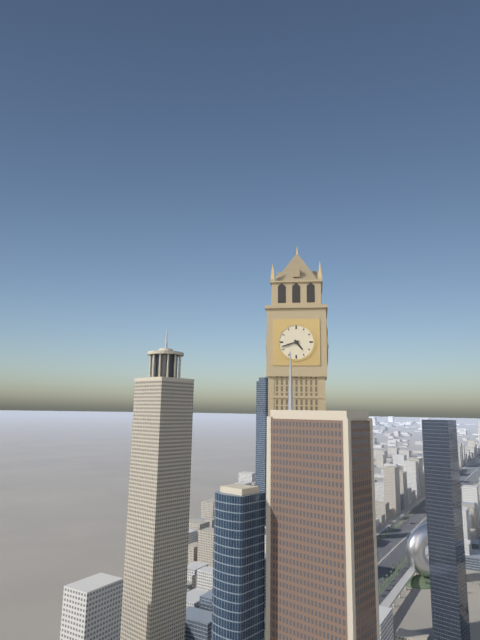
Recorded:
{"hour": 4, "minute": 42}
